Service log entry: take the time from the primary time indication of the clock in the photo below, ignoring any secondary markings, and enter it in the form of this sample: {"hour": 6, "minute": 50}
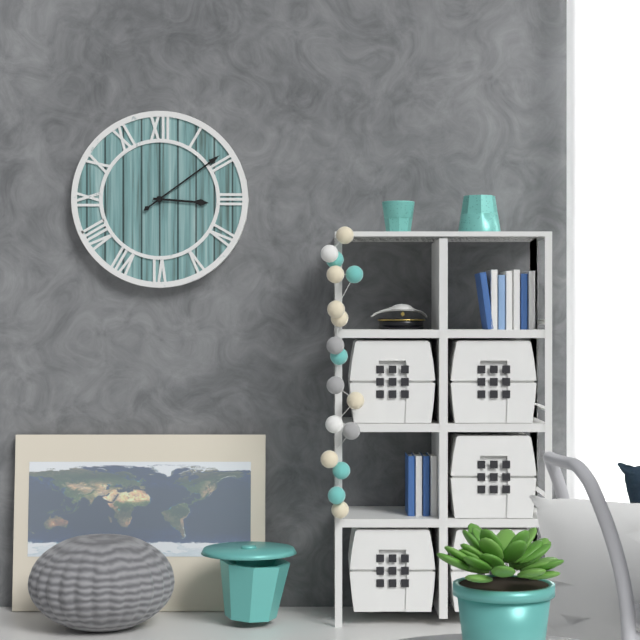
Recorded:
{"hour": 3, "minute": 9}
